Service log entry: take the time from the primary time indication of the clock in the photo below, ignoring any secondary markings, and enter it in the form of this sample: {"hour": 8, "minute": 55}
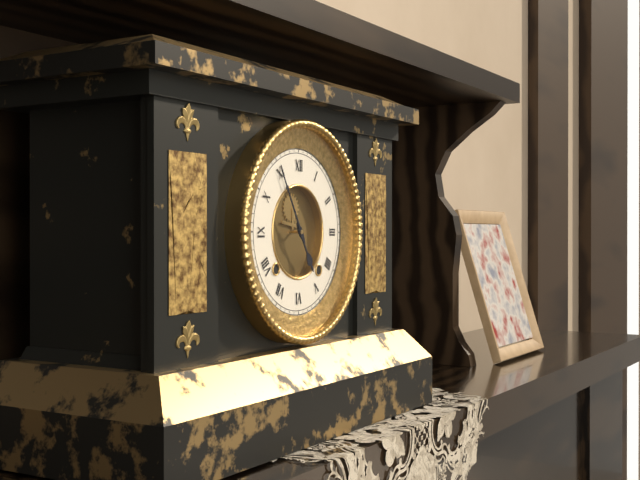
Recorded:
{"hour": 4, "minute": 55}
